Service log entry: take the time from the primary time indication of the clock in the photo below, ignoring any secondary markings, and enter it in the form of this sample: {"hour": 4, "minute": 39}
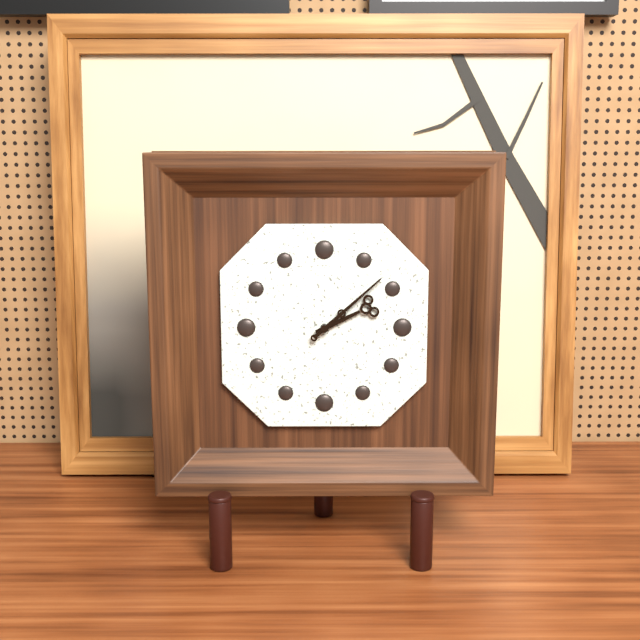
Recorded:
{"hour": 2, "minute": 8}
